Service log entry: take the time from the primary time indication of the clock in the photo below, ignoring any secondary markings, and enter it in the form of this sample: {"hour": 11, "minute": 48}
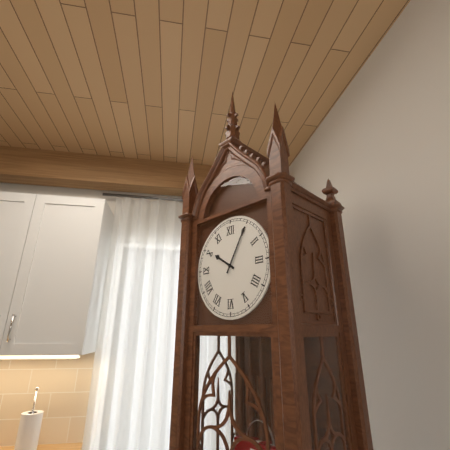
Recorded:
{"hour": 10, "minute": 5}
